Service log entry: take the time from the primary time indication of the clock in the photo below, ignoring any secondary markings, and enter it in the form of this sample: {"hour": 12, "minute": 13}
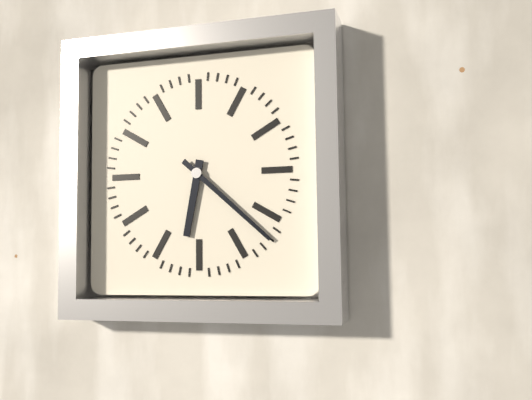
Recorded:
{"hour": 6, "minute": 22}
